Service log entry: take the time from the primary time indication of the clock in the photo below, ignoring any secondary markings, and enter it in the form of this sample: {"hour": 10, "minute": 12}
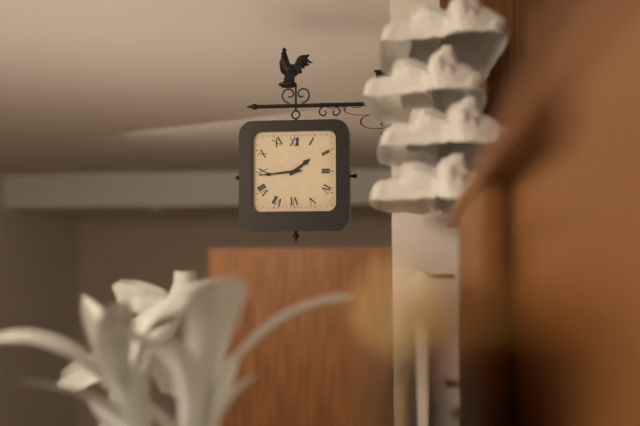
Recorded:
{"hour": 1, "minute": 44}
